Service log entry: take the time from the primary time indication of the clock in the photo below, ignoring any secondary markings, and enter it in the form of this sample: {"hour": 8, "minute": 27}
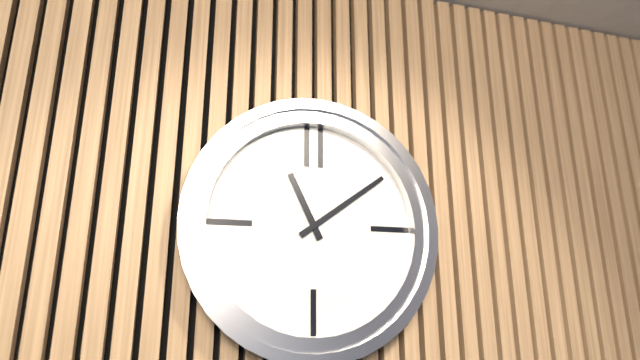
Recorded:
{"hour": 11, "minute": 9}
